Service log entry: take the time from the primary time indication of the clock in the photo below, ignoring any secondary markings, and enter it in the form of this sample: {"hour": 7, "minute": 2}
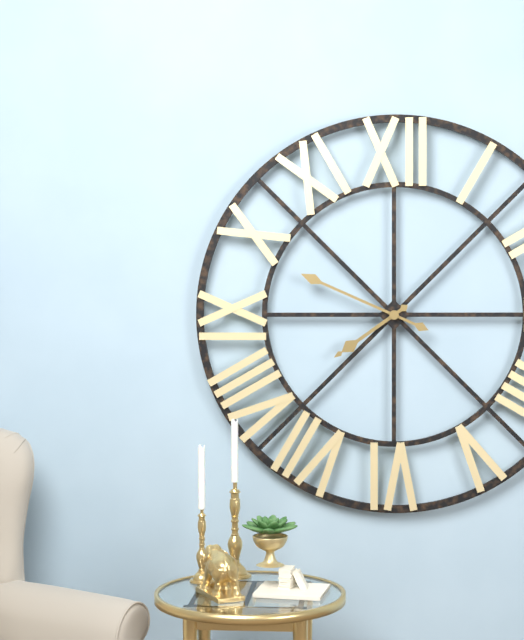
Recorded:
{"hour": 7, "minute": 49}
